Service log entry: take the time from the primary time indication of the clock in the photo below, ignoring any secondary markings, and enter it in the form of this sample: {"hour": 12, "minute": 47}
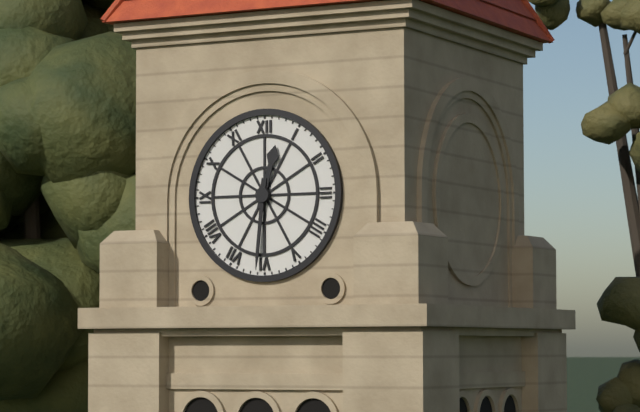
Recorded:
{"hour": 12, "minute": 31}
